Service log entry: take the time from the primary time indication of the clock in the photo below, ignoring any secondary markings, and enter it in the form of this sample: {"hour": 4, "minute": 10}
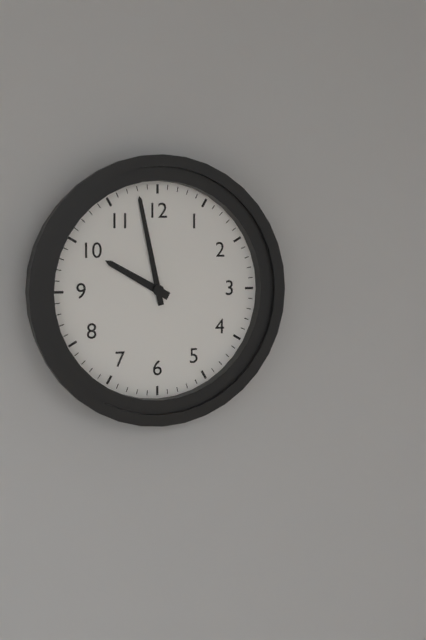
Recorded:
{"hour": 9, "minute": 58}
